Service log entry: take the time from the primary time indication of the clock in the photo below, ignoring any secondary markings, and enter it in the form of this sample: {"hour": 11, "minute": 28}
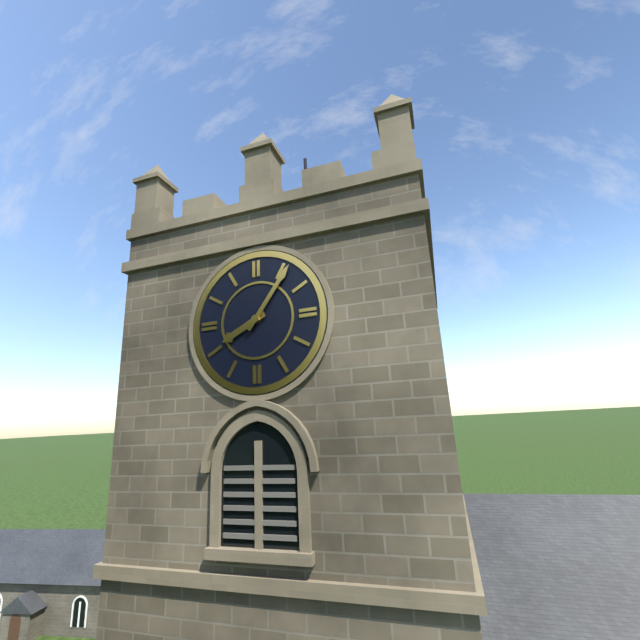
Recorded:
{"hour": 8, "minute": 6}
